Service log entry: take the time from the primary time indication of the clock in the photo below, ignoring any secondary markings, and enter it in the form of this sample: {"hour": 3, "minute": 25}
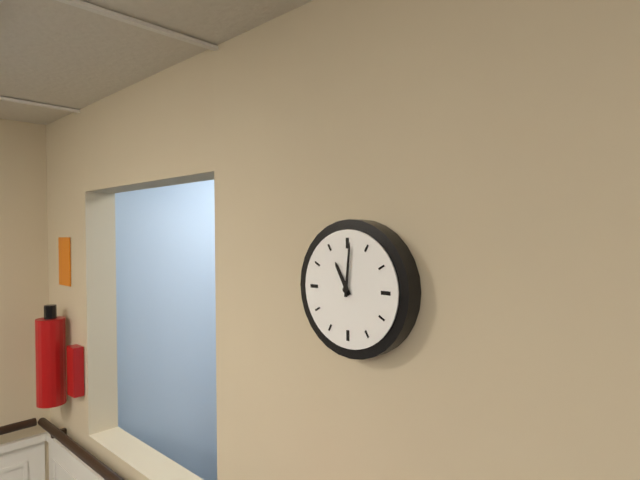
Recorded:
{"hour": 11, "minute": 1}
